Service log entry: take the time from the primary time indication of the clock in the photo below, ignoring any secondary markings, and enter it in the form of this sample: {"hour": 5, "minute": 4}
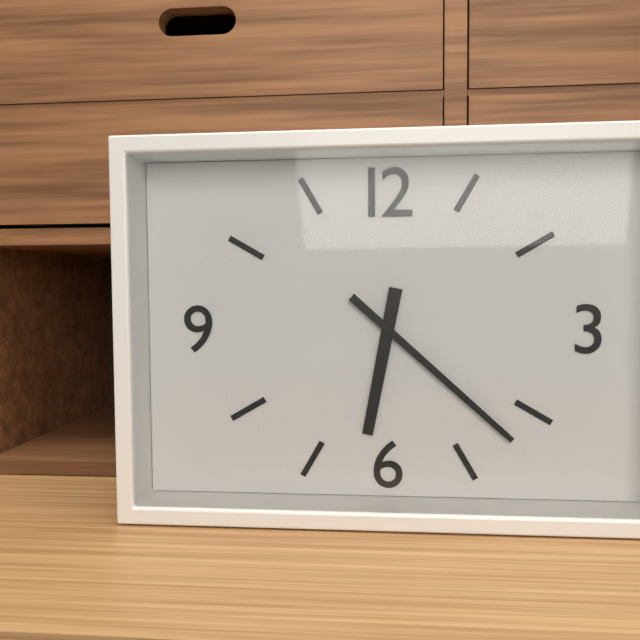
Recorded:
{"hour": 6, "minute": 22}
